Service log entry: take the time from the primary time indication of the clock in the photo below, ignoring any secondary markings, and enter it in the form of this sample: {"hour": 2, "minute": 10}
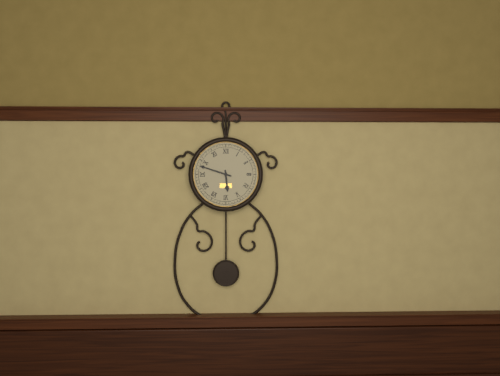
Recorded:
{"hour": 5, "minute": 48}
